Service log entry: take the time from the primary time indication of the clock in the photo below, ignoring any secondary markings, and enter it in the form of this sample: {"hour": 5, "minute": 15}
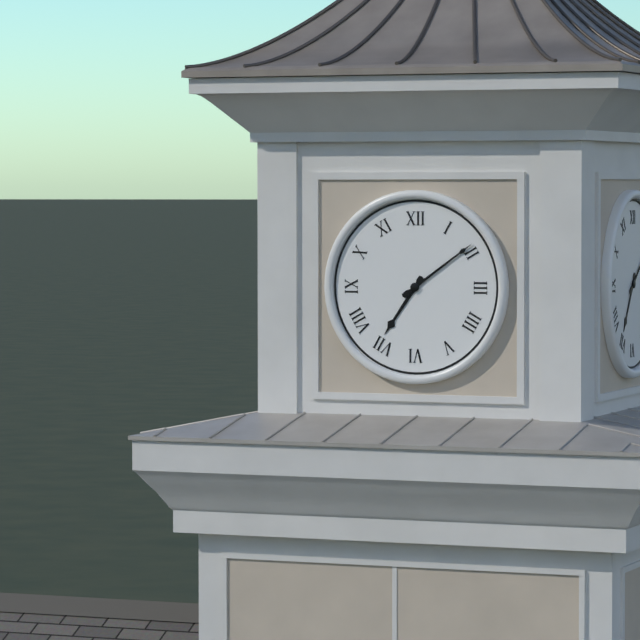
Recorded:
{"hour": 7, "minute": 9}
